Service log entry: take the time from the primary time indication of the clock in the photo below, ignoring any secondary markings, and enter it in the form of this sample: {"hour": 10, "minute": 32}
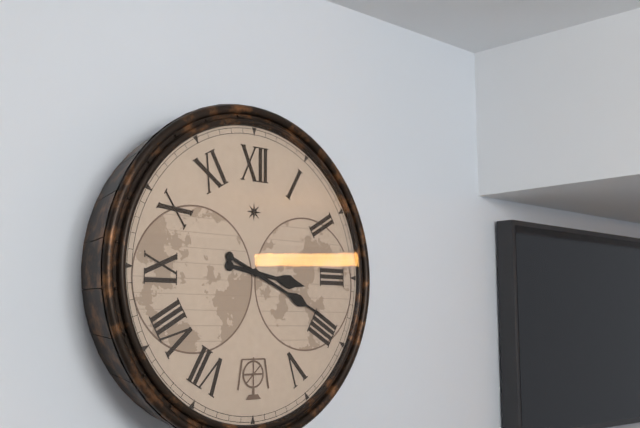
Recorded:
{"hour": 3, "minute": 19}
